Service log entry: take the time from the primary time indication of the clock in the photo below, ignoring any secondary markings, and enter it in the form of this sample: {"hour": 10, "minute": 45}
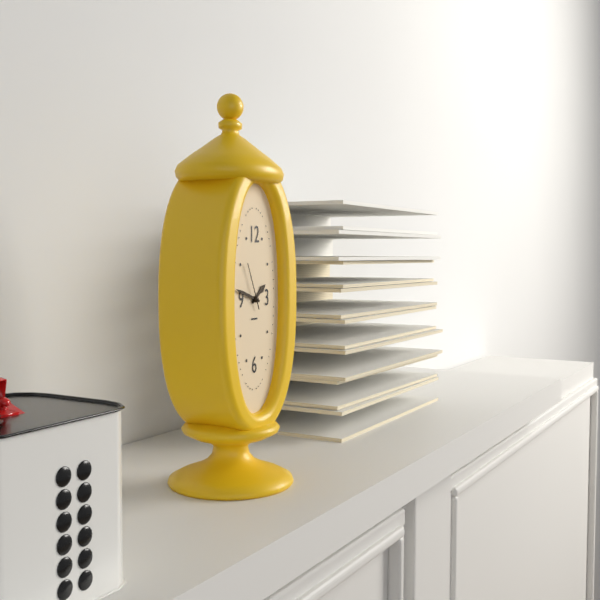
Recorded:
{"hour": 1, "minute": 48}
